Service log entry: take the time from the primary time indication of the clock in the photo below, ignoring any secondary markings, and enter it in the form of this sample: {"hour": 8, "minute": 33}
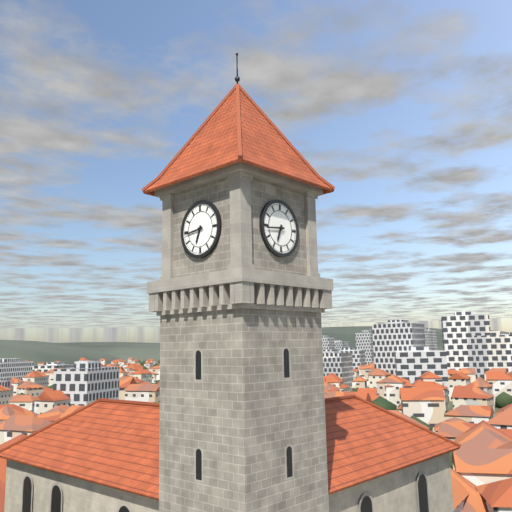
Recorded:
{"hour": 6, "minute": 44}
